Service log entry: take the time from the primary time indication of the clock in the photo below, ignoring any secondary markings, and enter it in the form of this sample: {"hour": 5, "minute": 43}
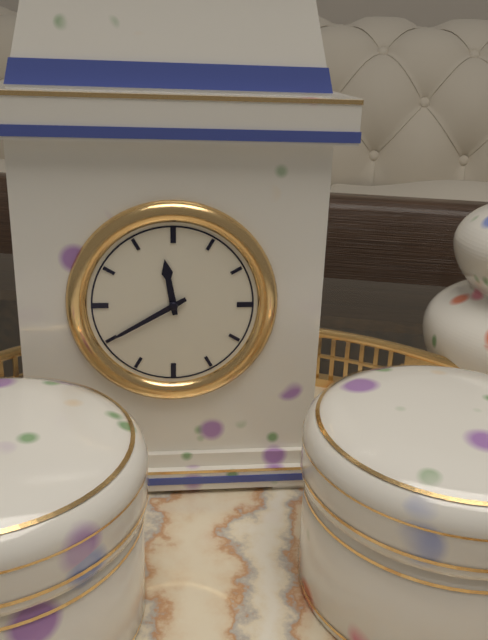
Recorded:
{"hour": 11, "minute": 40}
